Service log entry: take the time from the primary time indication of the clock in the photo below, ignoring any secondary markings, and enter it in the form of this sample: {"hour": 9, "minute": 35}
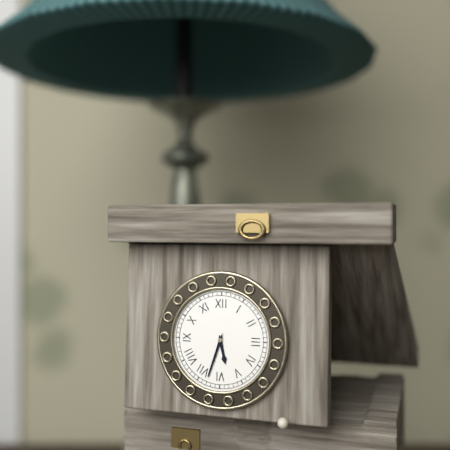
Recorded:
{"hour": 5, "minute": 33}
